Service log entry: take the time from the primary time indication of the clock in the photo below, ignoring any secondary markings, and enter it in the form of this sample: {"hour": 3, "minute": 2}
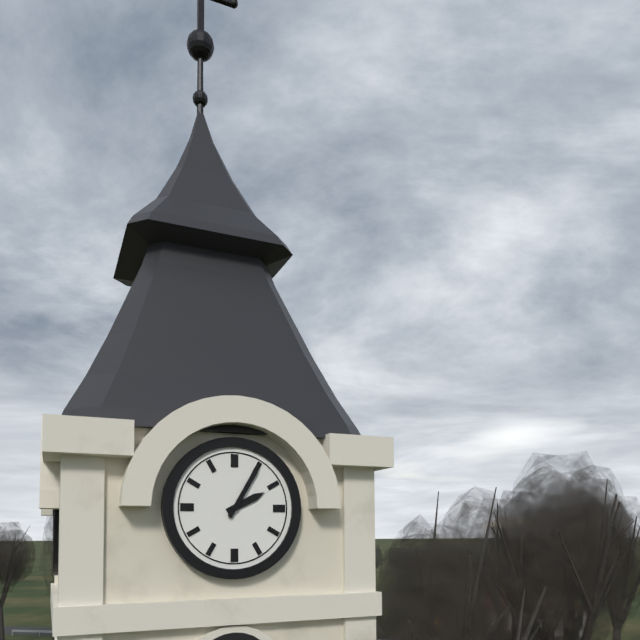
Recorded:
{"hour": 2, "minute": 5}
